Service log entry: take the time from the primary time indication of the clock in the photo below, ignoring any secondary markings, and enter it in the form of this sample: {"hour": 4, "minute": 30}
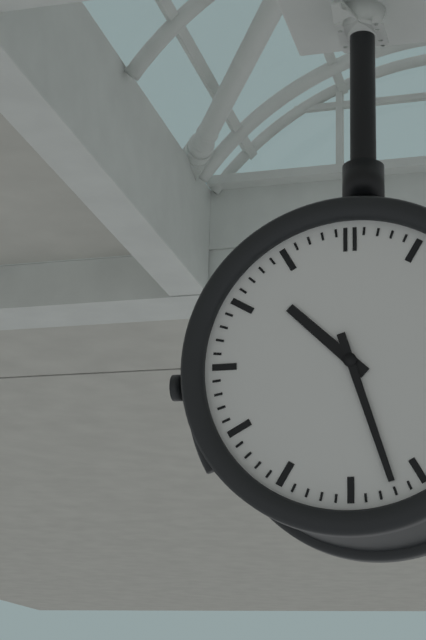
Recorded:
{"hour": 10, "minute": 27}
